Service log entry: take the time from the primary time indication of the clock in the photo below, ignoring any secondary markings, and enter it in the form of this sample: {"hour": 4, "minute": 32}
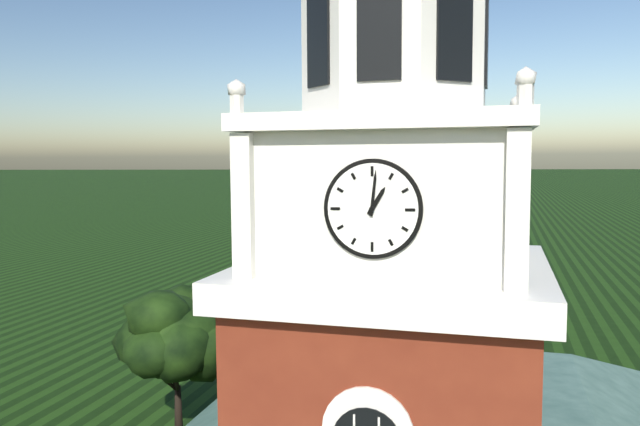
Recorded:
{"hour": 1, "minute": 1}
